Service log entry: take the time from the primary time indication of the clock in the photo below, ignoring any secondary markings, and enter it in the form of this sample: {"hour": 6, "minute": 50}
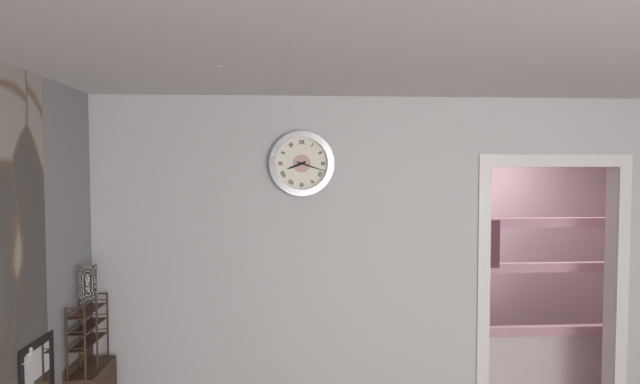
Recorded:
{"hour": 8, "minute": 18}
